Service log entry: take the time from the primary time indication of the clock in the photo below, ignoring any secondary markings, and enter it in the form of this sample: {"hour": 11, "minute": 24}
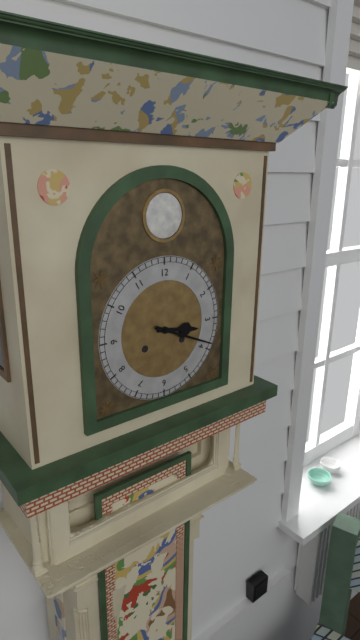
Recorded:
{"hour": 3, "minute": 19}
